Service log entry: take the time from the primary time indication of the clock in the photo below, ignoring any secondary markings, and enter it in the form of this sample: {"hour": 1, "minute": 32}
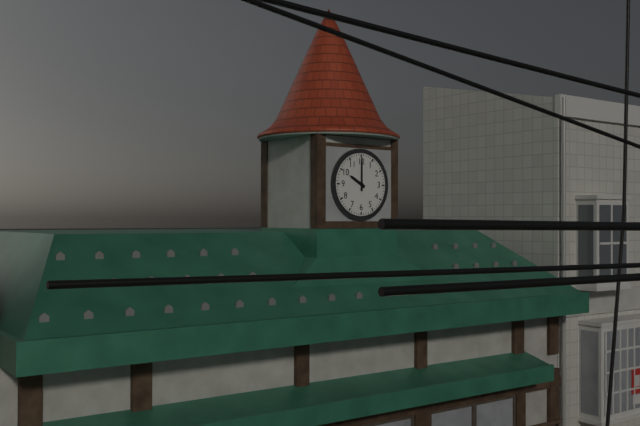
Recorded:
{"hour": 10, "minute": 0}
